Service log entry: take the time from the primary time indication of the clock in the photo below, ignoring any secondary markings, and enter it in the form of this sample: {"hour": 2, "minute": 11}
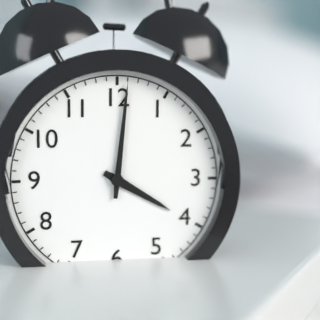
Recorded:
{"hour": 4, "minute": 1}
